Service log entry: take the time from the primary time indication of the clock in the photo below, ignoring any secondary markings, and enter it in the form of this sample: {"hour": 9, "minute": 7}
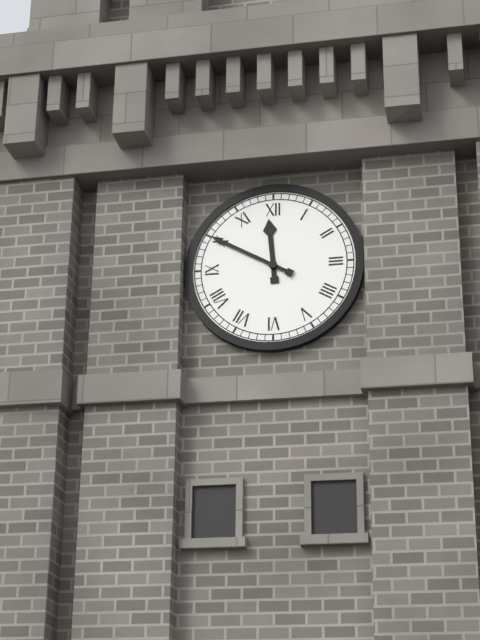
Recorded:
{"hour": 11, "minute": 50}
